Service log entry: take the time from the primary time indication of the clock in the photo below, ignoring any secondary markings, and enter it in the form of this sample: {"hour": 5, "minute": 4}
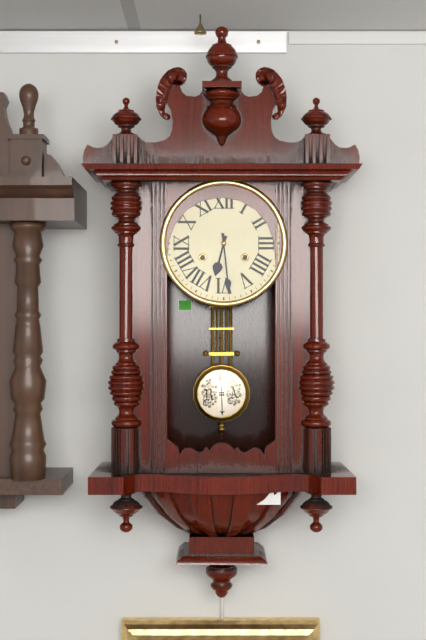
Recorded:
{"hour": 6, "minute": 29}
